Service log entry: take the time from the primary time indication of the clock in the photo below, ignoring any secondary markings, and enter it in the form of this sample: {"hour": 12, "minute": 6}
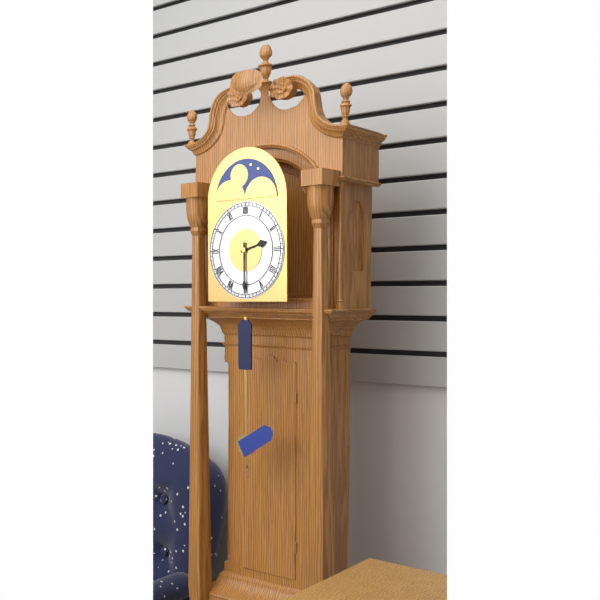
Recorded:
{"hour": 2, "minute": 30}
